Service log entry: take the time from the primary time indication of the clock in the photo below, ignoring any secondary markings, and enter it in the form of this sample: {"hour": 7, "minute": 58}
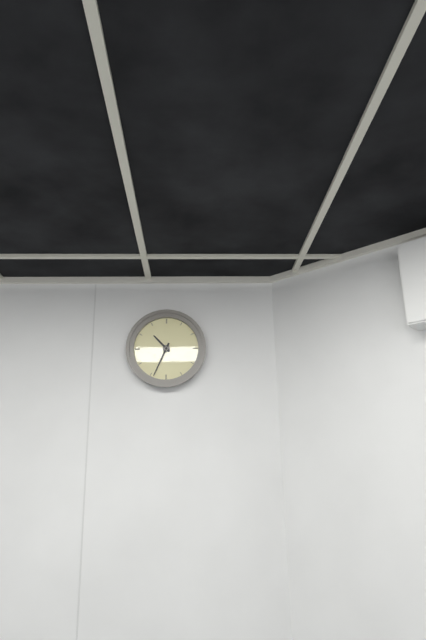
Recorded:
{"hour": 10, "minute": 34}
